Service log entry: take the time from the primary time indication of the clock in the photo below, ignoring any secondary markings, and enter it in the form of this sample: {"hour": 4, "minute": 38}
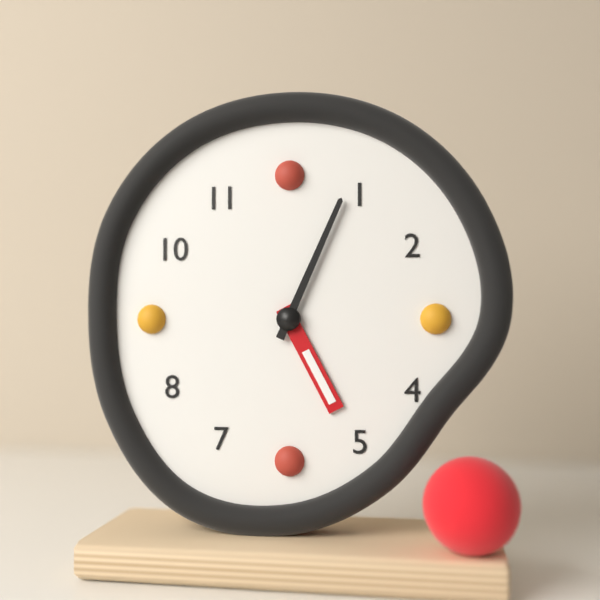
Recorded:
{"hour": 5, "minute": 4}
